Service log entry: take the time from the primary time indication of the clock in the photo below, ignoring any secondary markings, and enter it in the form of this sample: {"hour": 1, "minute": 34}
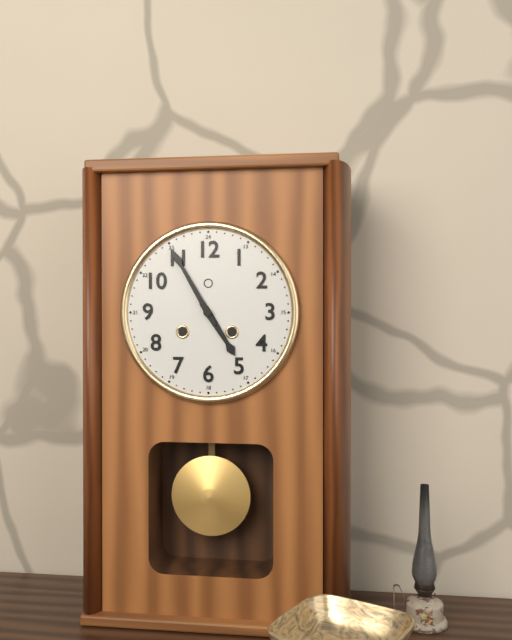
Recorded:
{"hour": 4, "minute": 55}
